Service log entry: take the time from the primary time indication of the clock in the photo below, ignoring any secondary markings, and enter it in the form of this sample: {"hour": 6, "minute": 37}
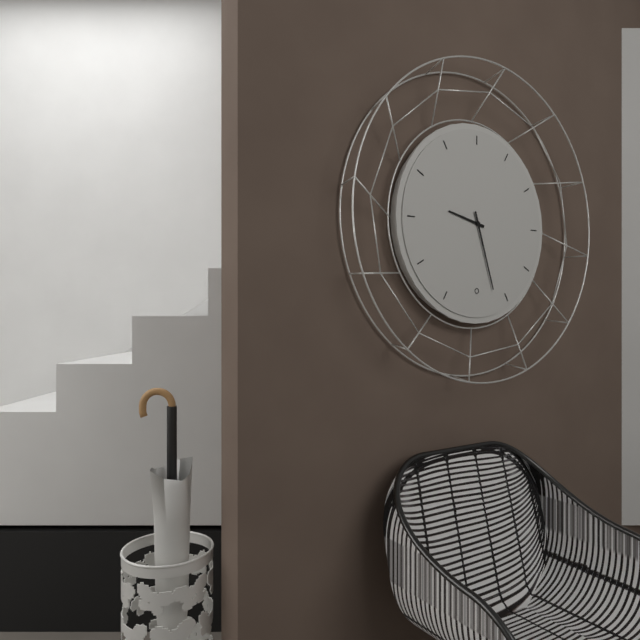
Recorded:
{"hour": 9, "minute": 27}
